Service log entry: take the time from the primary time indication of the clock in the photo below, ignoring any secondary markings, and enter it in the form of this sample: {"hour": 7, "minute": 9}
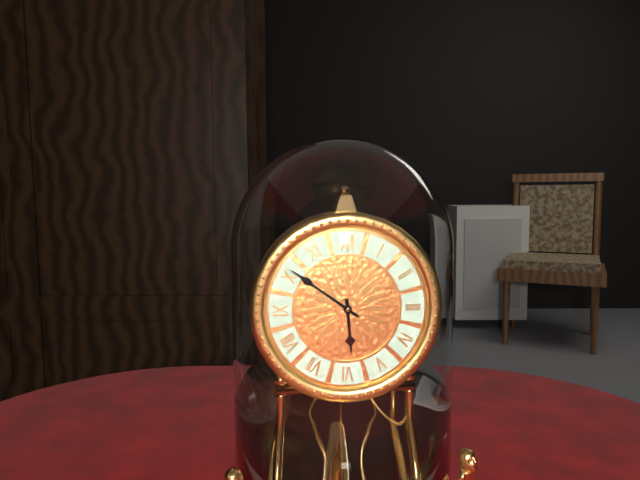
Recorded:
{"hour": 5, "minute": 51}
